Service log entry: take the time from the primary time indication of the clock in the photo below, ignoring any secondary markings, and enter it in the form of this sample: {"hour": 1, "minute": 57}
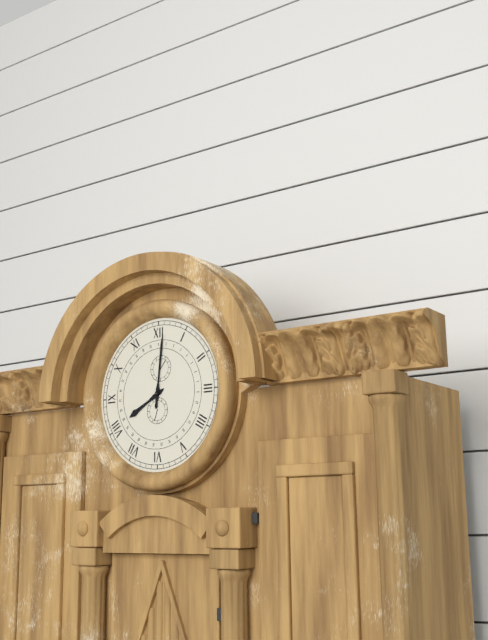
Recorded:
{"hour": 8, "minute": 1}
